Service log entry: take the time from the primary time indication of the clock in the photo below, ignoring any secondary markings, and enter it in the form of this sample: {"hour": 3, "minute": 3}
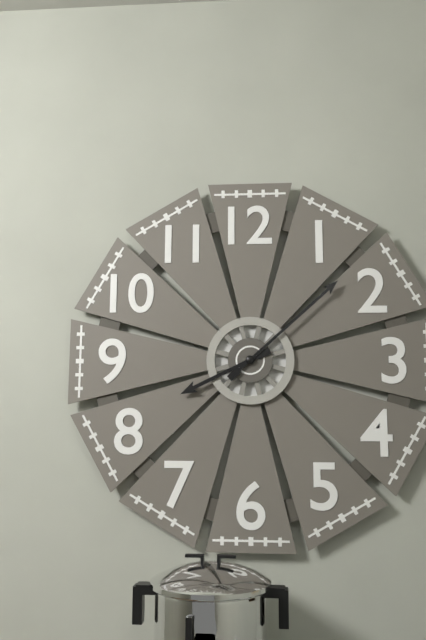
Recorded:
{"hour": 8, "minute": 8}
